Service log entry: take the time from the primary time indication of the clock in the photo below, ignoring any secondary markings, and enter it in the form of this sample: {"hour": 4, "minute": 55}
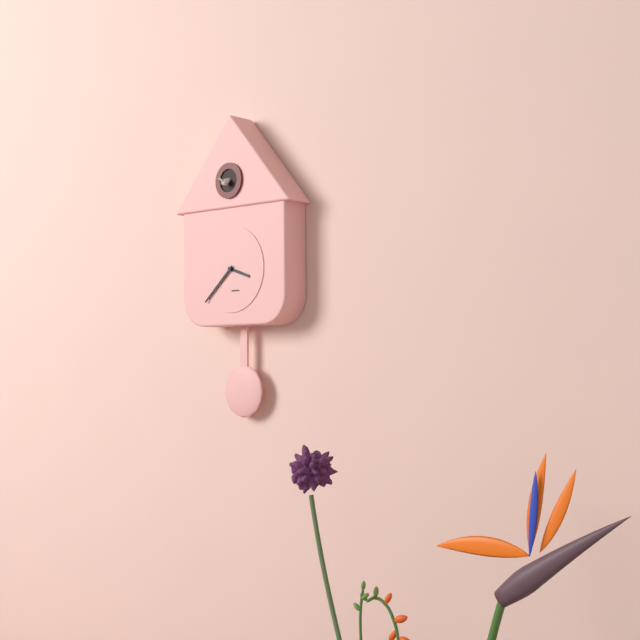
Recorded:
{"hour": 3, "minute": 38}
